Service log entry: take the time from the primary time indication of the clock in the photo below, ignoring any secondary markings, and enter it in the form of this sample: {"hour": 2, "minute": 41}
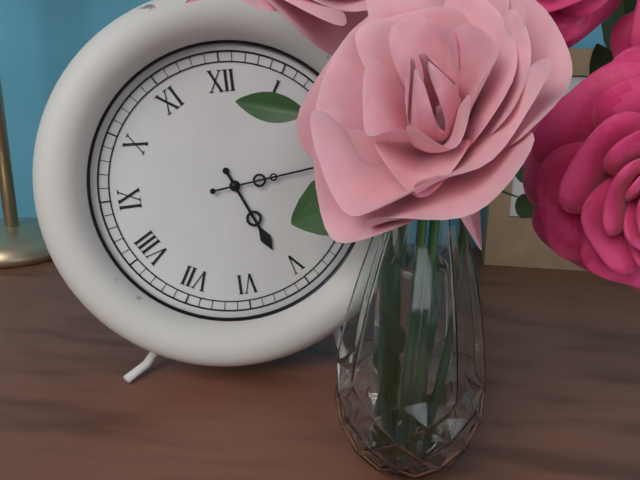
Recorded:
{"hour": 5, "minute": 14}
